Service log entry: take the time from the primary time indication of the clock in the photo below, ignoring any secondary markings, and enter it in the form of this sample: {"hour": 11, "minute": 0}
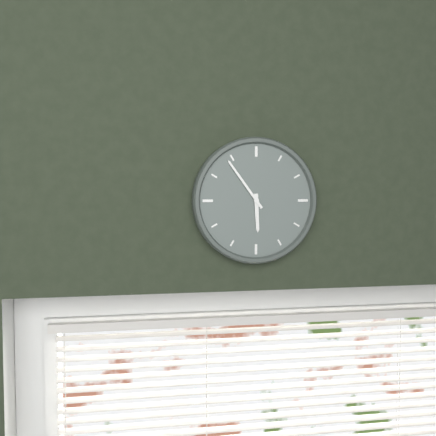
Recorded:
{"hour": 5, "minute": 54}
